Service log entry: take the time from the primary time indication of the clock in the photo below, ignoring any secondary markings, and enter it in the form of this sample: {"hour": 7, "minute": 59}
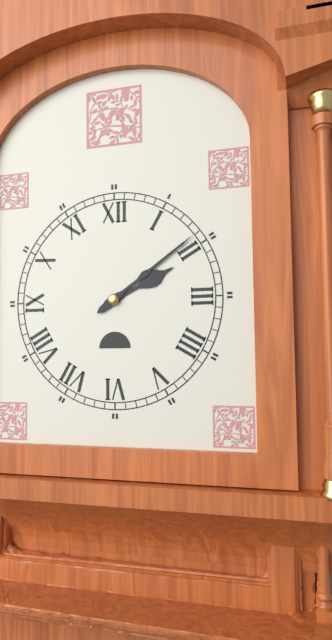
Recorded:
{"hour": 2, "minute": 9}
